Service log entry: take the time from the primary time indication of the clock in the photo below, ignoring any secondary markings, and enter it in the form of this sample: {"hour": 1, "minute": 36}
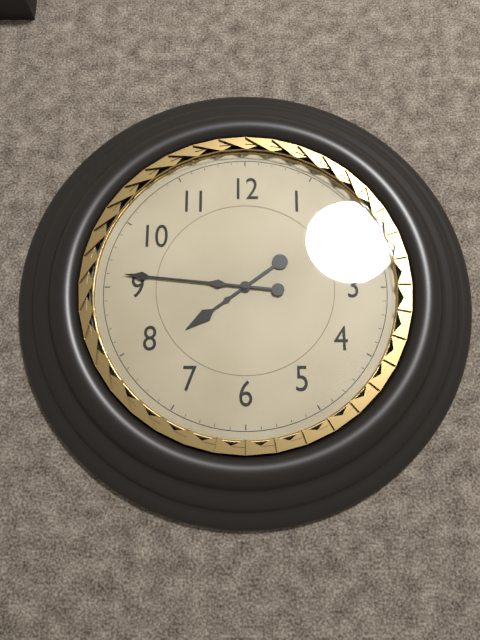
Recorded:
{"hour": 7, "minute": 46}
